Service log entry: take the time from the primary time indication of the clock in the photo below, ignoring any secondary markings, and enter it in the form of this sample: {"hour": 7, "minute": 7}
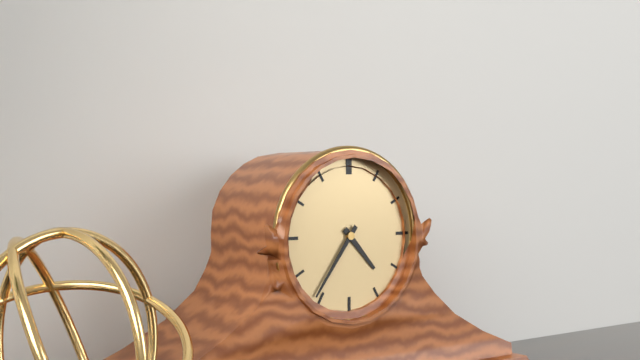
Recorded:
{"hour": 4, "minute": 36}
